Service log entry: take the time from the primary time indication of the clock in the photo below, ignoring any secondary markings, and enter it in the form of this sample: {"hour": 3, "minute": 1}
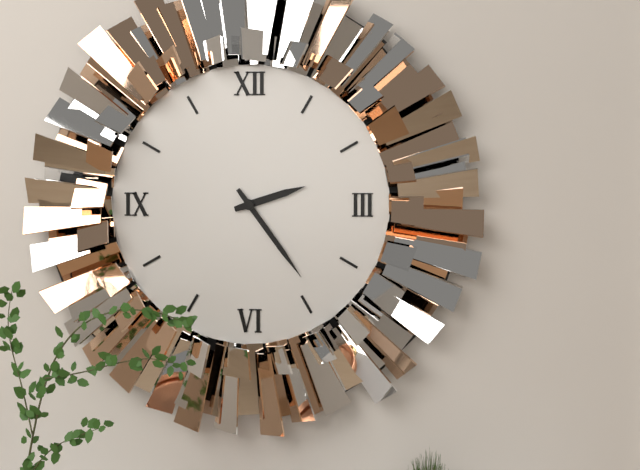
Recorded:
{"hour": 2, "minute": 24}
